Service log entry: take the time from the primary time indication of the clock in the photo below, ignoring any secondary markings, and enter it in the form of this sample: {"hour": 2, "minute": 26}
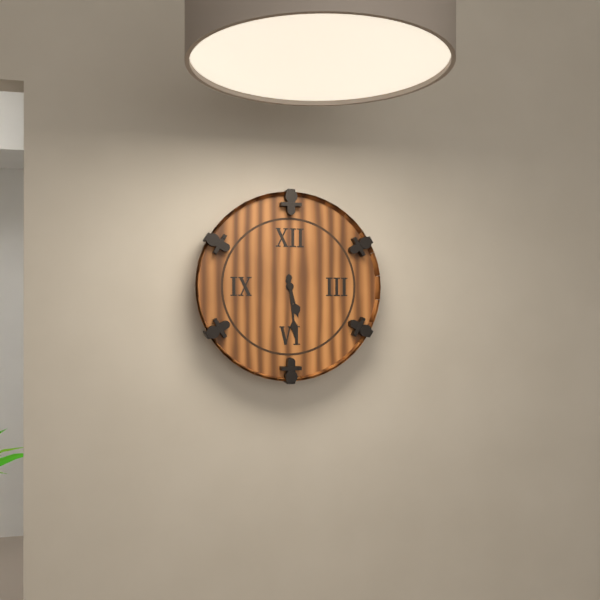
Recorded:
{"hour": 5, "minute": 29}
